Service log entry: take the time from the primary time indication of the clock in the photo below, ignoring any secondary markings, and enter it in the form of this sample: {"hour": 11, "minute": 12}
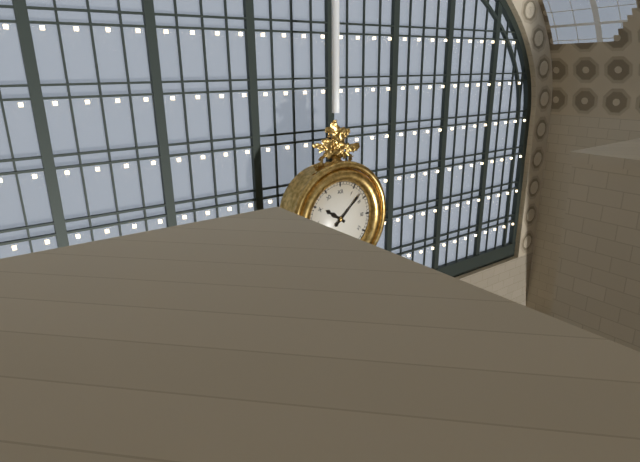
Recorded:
{"hour": 10, "minute": 8}
